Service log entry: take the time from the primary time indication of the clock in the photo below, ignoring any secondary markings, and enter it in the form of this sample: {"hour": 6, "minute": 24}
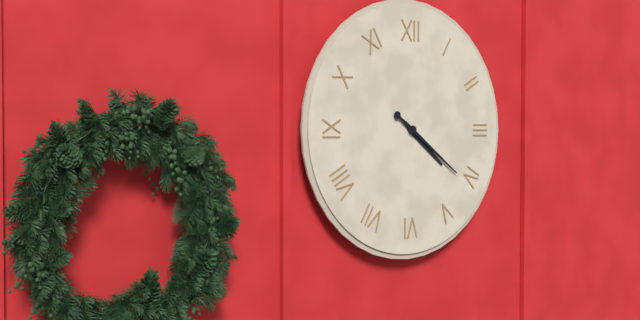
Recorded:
{"hour": 4, "minute": 21}
